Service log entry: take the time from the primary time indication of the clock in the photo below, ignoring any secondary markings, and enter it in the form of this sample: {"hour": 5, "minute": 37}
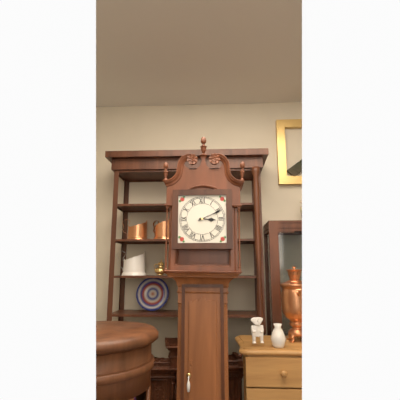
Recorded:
{"hour": 3, "minute": 11}
